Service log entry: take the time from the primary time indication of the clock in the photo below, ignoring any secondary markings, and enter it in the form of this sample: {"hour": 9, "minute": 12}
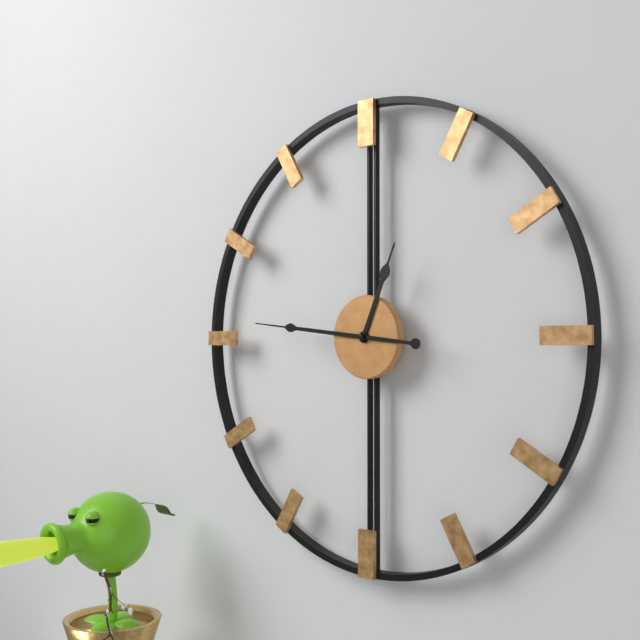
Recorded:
{"hour": 12, "minute": 46}
